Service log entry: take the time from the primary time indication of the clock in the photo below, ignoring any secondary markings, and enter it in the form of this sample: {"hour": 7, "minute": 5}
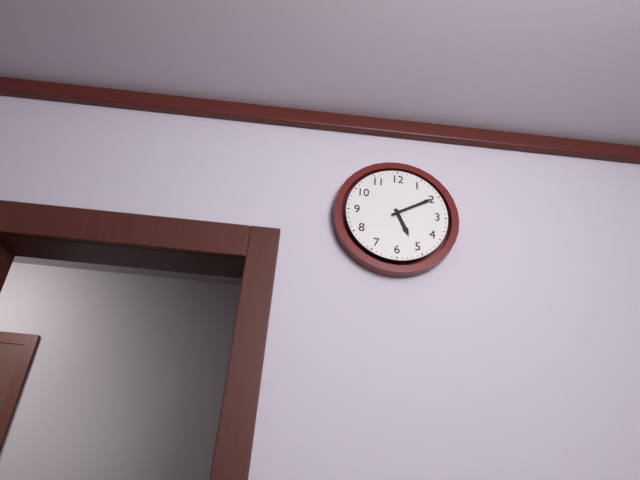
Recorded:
{"hour": 5, "minute": 10}
